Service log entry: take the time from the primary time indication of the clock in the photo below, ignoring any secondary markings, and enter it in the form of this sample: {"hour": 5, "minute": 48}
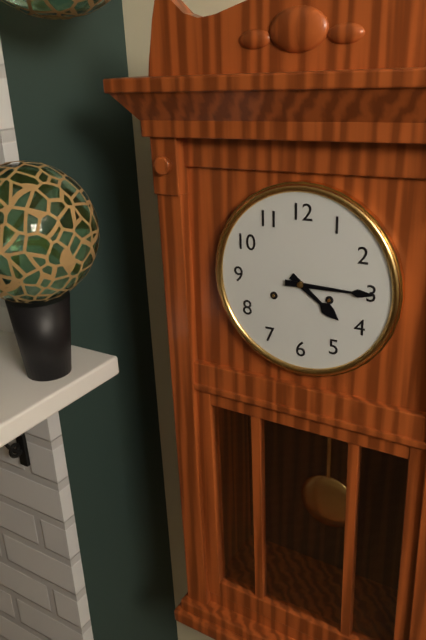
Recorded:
{"hour": 4, "minute": 15}
